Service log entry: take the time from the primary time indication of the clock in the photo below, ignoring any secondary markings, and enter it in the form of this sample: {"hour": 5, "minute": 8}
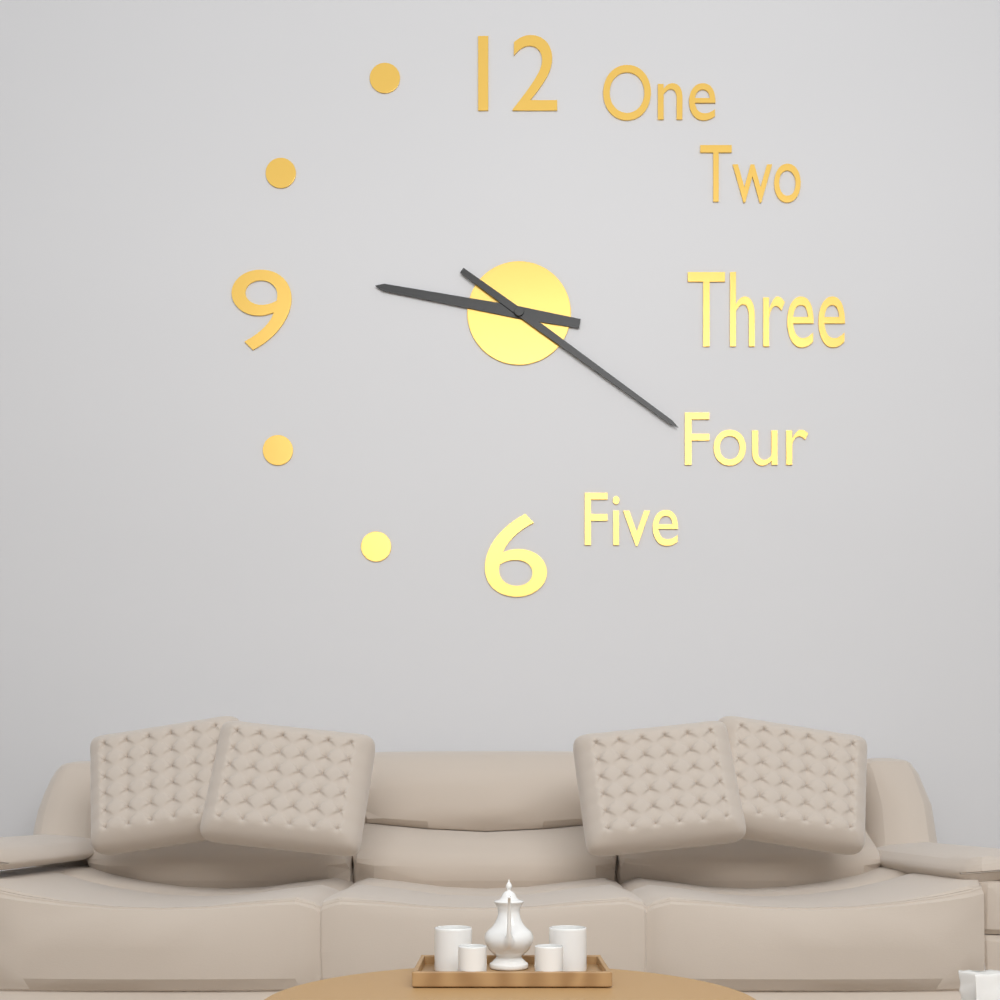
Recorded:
{"hour": 9, "minute": 21}
